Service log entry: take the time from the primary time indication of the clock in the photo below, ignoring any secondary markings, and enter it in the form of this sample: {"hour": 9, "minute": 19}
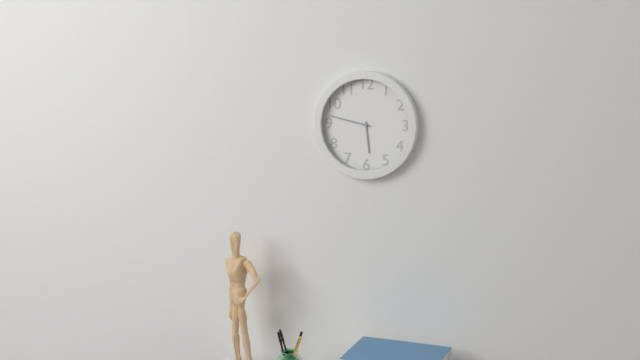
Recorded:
{"hour": 5, "minute": 47}
